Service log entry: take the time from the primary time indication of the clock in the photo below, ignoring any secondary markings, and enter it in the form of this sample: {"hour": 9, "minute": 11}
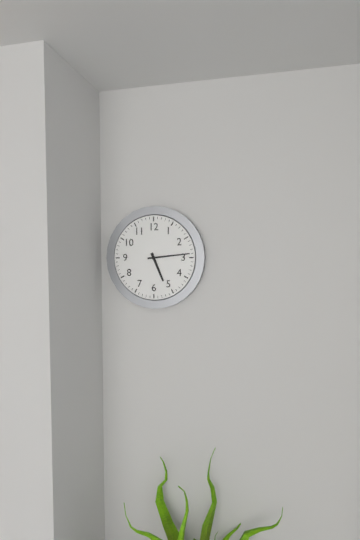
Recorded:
{"hour": 5, "minute": 14}
